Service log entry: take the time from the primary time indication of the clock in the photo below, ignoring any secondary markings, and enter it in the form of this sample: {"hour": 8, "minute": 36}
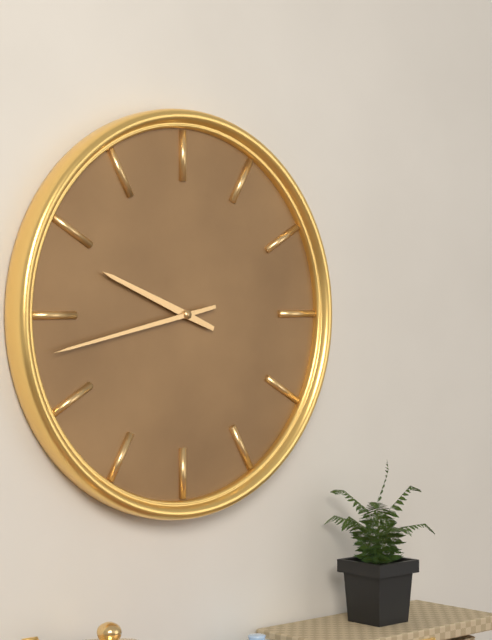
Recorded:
{"hour": 9, "minute": 43}
